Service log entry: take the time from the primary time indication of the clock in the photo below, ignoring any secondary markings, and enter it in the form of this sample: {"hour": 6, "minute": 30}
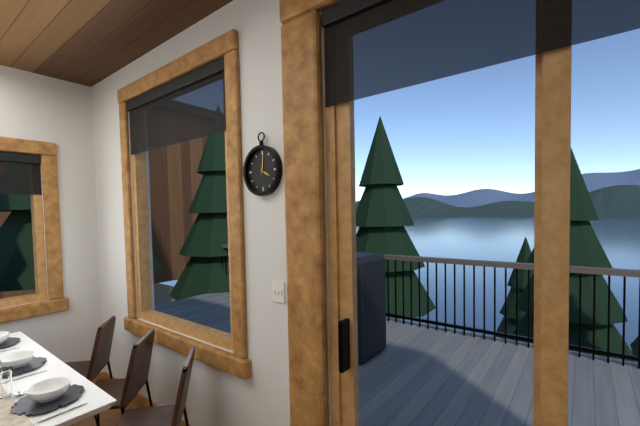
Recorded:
{"hour": 4, "minute": 1}
